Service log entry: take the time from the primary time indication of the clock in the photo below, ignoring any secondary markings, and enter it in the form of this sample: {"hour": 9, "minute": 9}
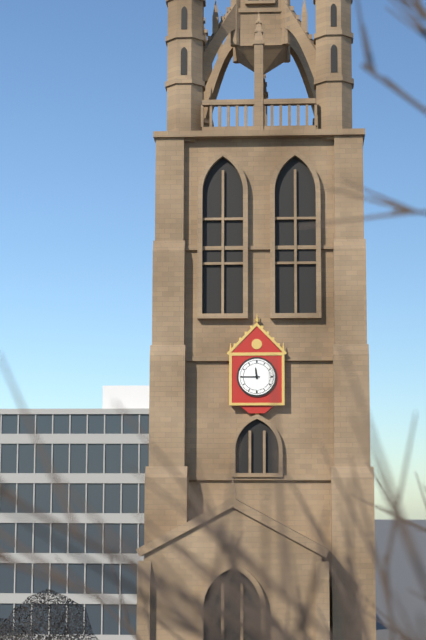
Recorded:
{"hour": 11, "minute": 45}
